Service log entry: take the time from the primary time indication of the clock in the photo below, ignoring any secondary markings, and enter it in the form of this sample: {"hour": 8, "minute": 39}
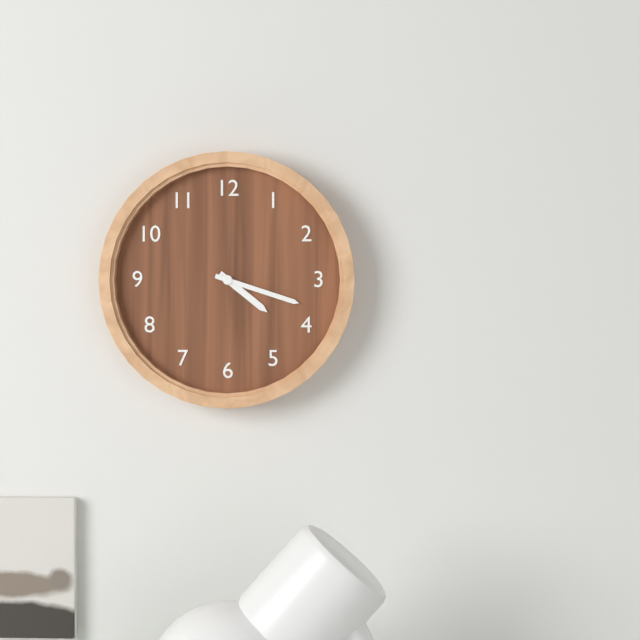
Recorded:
{"hour": 4, "minute": 18}
